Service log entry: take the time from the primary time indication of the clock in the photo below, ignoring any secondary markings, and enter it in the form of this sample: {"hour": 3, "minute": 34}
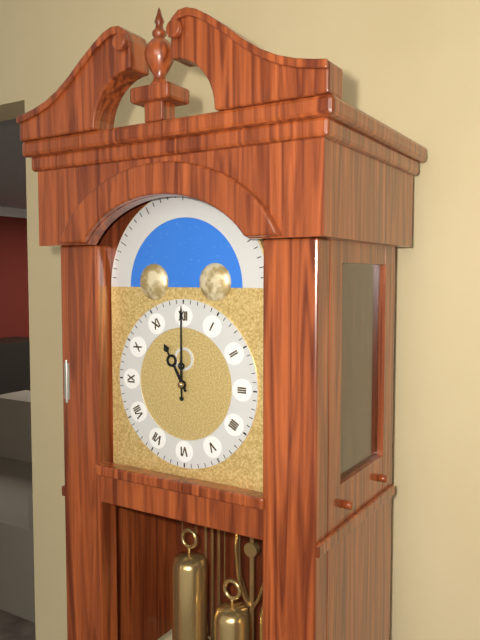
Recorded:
{"hour": 11, "minute": 0}
